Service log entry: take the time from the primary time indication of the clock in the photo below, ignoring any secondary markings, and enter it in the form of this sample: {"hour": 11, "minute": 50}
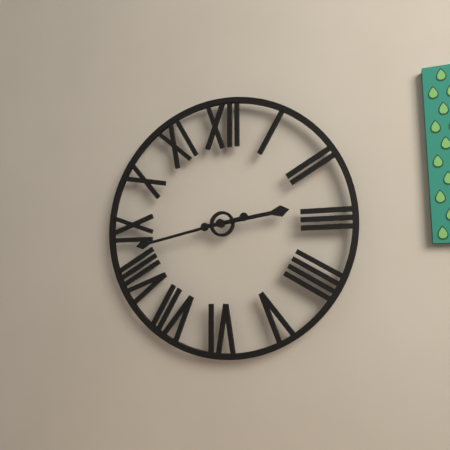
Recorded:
{"hour": 2, "minute": 43}
